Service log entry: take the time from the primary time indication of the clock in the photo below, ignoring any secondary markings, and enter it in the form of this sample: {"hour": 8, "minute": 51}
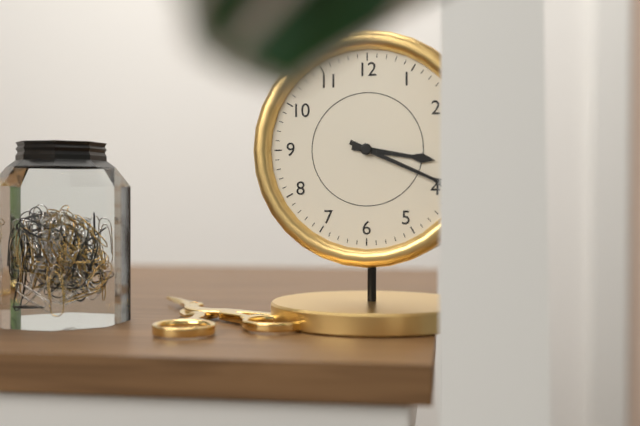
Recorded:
{"hour": 3, "minute": 19}
